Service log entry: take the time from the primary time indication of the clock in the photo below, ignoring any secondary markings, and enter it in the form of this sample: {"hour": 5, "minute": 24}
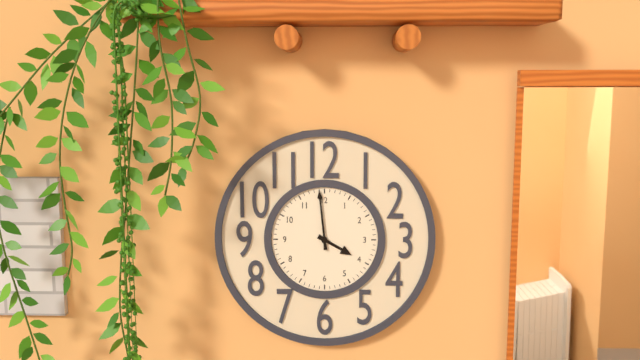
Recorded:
{"hour": 3, "minute": 59}
